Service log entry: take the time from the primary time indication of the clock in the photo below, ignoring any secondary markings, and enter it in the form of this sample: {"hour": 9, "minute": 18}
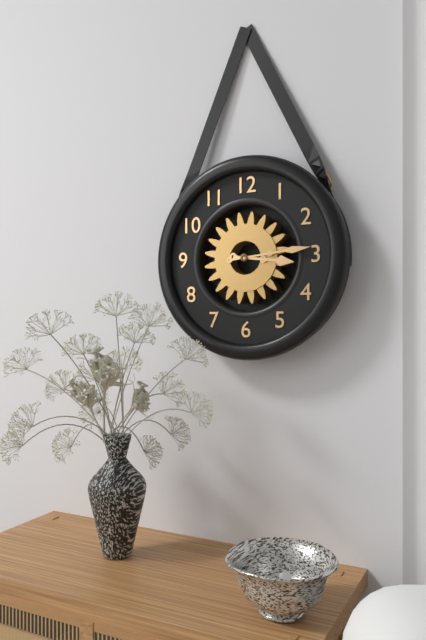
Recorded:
{"hour": 3, "minute": 14}
